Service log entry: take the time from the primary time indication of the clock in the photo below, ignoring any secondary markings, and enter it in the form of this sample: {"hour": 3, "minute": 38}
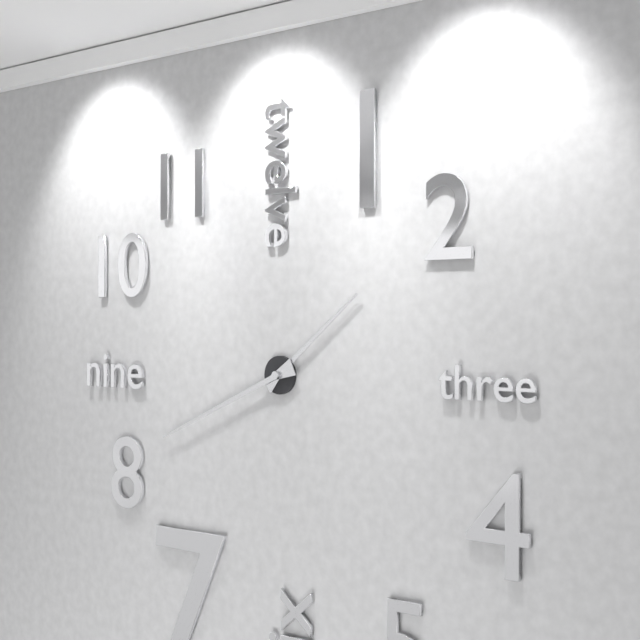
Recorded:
{"hour": 1, "minute": 41}
